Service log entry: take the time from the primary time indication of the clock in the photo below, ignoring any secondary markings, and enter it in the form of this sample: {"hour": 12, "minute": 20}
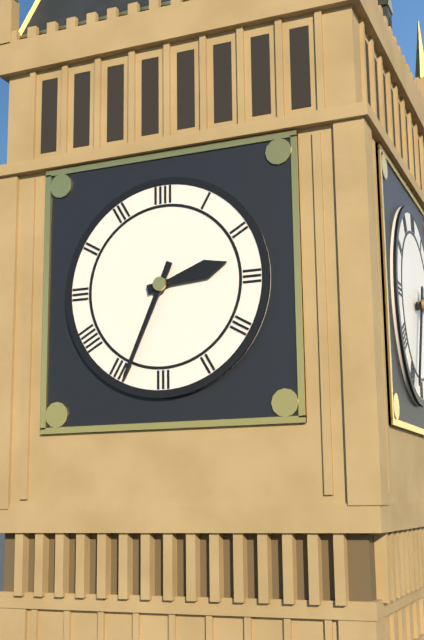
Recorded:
{"hour": 2, "minute": 34}
